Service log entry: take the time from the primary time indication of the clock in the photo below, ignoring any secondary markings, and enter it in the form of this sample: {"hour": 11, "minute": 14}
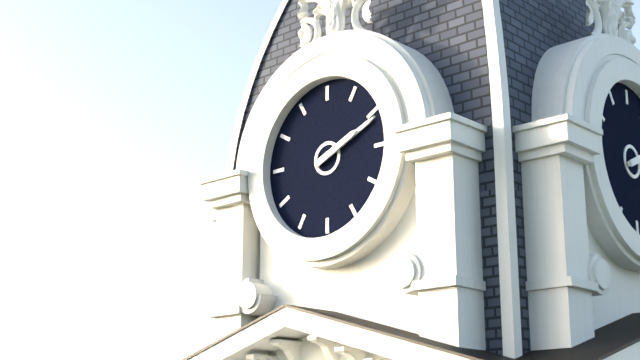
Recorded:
{"hour": 2, "minute": 11}
